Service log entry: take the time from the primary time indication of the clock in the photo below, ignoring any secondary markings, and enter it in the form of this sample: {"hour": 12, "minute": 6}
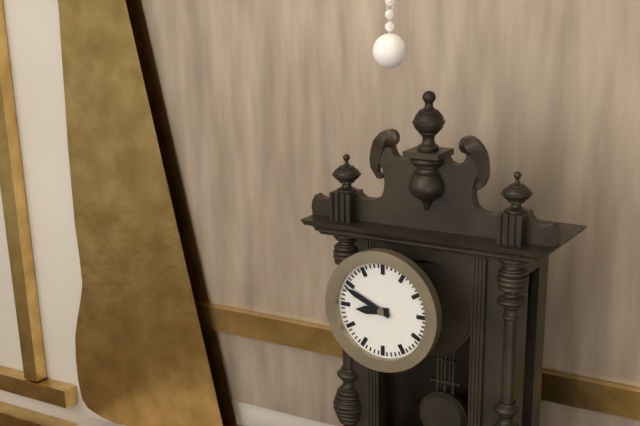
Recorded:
{"hour": 8, "minute": 49}
